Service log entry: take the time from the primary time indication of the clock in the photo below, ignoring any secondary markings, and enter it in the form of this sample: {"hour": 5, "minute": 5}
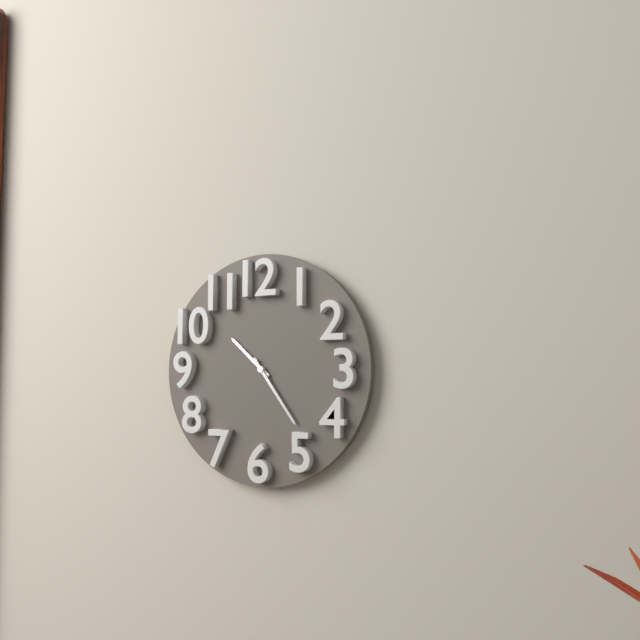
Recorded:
{"hour": 10, "minute": 24}
